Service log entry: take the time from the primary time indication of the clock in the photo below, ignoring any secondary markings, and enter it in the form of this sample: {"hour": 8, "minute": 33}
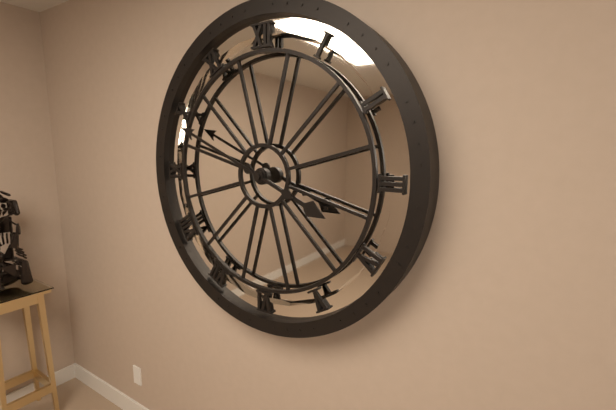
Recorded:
{"hour": 3, "minute": 49}
